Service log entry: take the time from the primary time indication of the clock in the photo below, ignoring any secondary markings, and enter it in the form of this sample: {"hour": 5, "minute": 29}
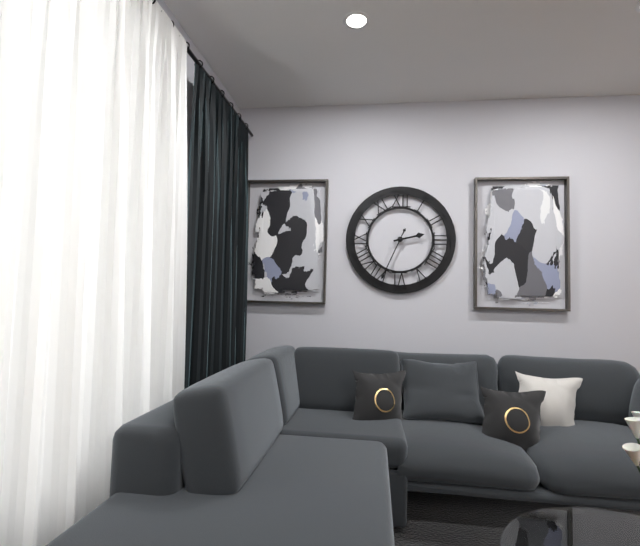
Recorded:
{"hour": 2, "minute": 34}
